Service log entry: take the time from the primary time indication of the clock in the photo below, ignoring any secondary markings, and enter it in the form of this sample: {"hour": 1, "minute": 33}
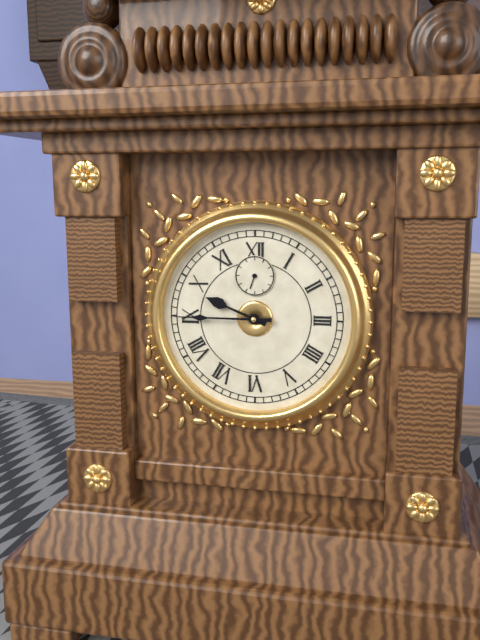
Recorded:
{"hour": 9, "minute": 45}
